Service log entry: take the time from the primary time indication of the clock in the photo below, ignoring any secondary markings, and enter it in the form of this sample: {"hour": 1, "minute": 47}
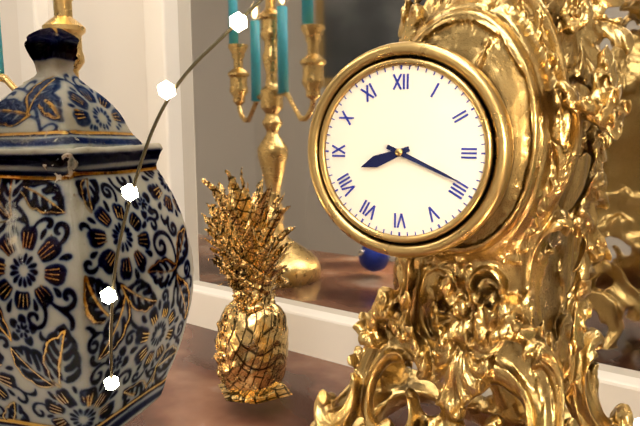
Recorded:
{"hour": 8, "minute": 19}
